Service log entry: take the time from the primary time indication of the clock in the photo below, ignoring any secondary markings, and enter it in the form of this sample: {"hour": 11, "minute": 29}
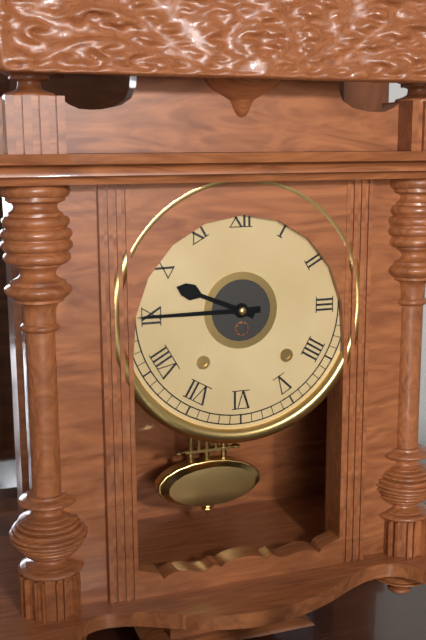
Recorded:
{"hour": 9, "minute": 45}
